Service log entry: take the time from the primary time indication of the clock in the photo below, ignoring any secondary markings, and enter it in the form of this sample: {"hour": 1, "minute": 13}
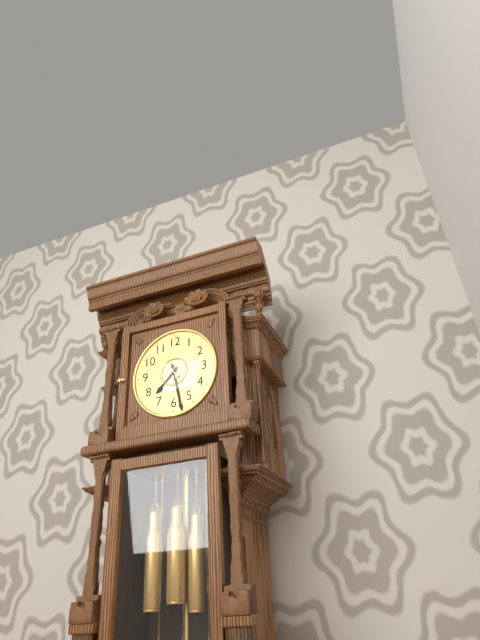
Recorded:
{"hour": 7, "minute": 28}
